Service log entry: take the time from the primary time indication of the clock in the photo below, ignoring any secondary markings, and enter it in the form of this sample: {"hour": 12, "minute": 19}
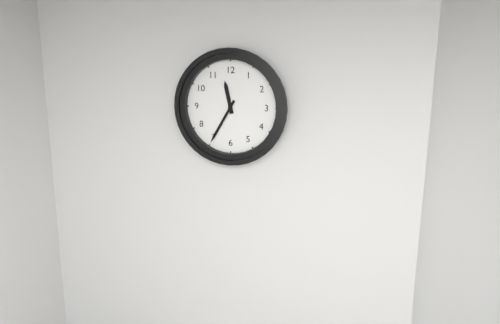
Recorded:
{"hour": 11, "minute": 35}
